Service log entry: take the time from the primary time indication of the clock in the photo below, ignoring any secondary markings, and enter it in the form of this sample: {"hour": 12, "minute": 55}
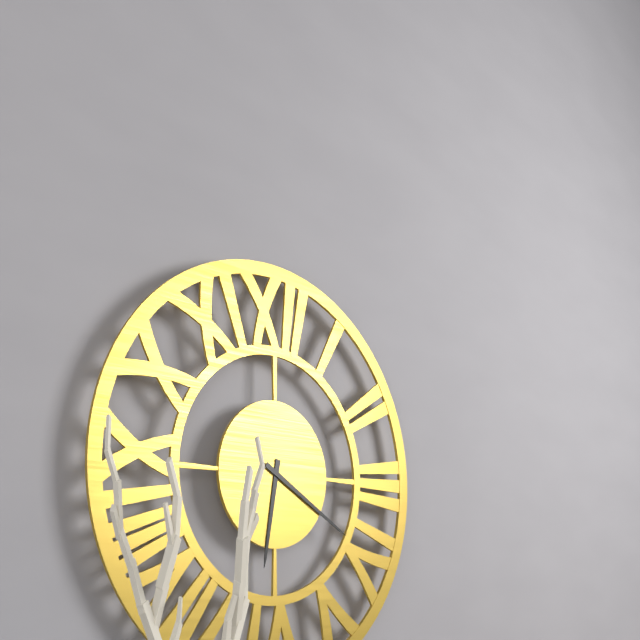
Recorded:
{"hour": 6, "minute": 20}
